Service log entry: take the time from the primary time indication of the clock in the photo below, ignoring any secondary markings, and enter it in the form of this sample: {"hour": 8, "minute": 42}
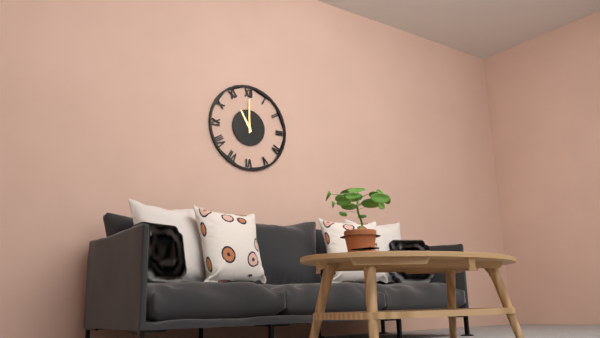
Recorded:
{"hour": 11, "minute": 0}
